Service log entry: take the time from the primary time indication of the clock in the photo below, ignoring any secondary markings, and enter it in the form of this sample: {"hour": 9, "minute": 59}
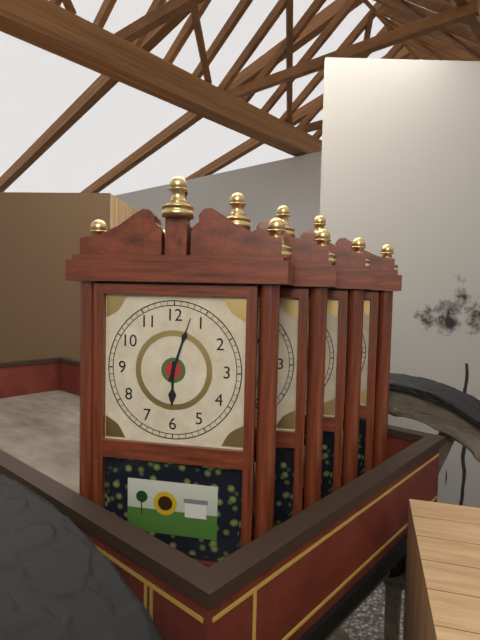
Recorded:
{"hour": 6, "minute": 3}
